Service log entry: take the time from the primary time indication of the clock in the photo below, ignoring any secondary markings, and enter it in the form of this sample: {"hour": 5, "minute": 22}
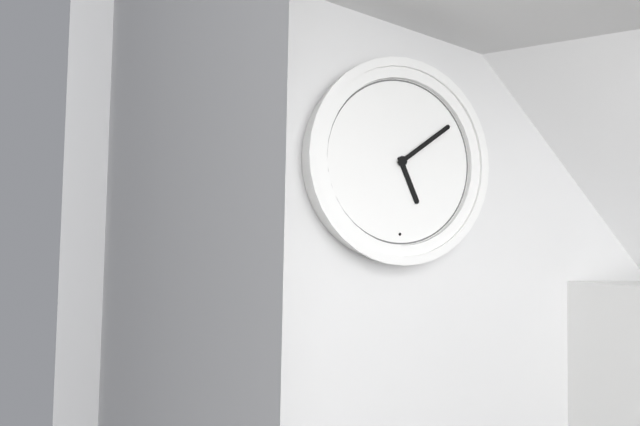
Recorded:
{"hour": 5, "minute": 9}
